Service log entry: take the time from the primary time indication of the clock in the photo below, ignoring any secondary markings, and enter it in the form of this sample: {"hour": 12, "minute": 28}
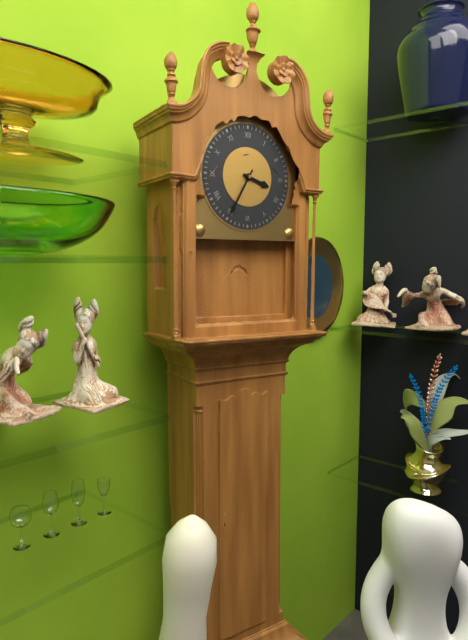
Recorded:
{"hour": 3, "minute": 35}
